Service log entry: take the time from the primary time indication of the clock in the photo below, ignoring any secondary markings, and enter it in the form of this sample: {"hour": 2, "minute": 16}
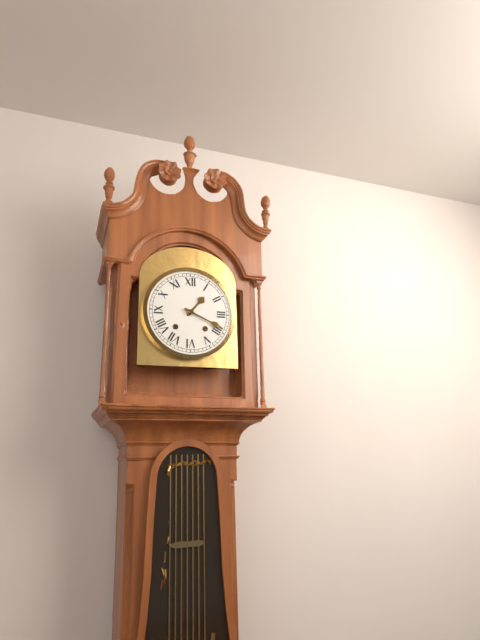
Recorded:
{"hour": 1, "minute": 19}
